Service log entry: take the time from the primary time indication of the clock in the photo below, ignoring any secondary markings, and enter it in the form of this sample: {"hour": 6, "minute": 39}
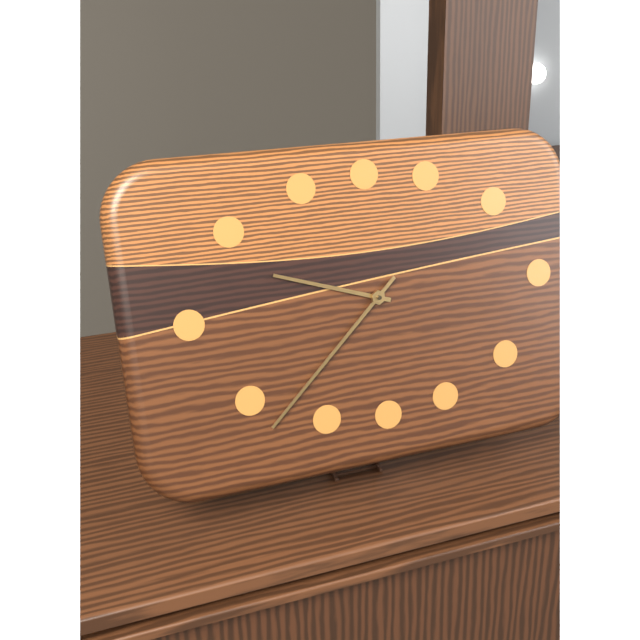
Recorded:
{"hour": 9, "minute": 38}
